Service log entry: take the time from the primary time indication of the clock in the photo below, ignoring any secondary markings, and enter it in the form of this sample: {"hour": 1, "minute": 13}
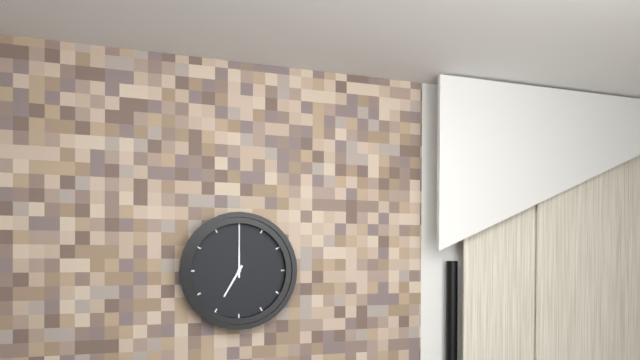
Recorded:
{"hour": 7, "minute": 0}
